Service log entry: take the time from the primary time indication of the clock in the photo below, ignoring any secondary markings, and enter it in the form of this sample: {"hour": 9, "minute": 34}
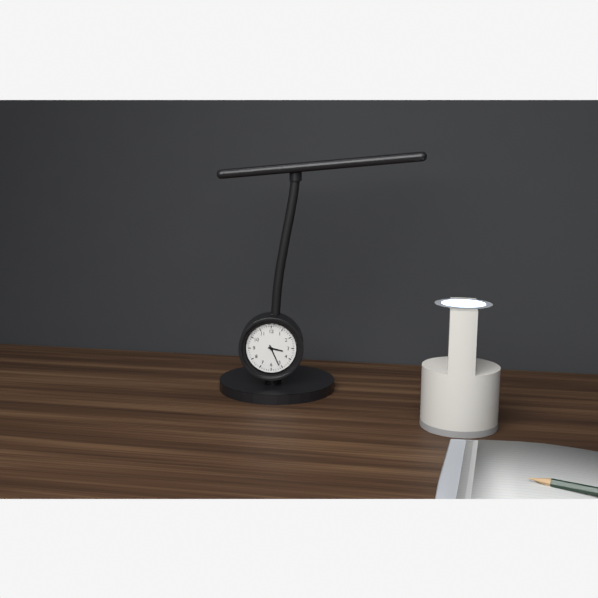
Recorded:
{"hour": 3, "minute": 26}
